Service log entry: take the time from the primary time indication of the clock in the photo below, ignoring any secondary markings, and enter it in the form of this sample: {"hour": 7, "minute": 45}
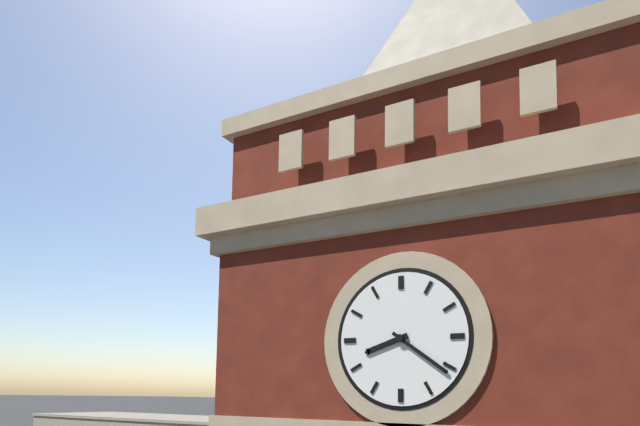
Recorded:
{"hour": 8, "minute": 21}
